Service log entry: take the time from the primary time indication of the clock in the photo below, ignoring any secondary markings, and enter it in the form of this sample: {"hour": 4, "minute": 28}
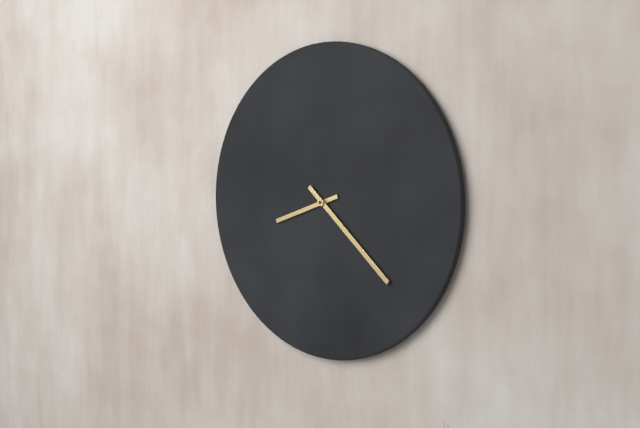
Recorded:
{"hour": 8, "minute": 22}
